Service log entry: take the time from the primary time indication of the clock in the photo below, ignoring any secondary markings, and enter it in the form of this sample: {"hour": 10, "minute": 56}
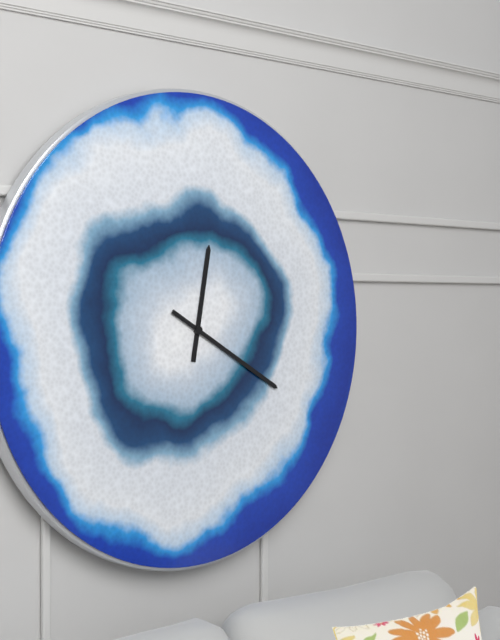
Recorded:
{"hour": 12, "minute": 20}
